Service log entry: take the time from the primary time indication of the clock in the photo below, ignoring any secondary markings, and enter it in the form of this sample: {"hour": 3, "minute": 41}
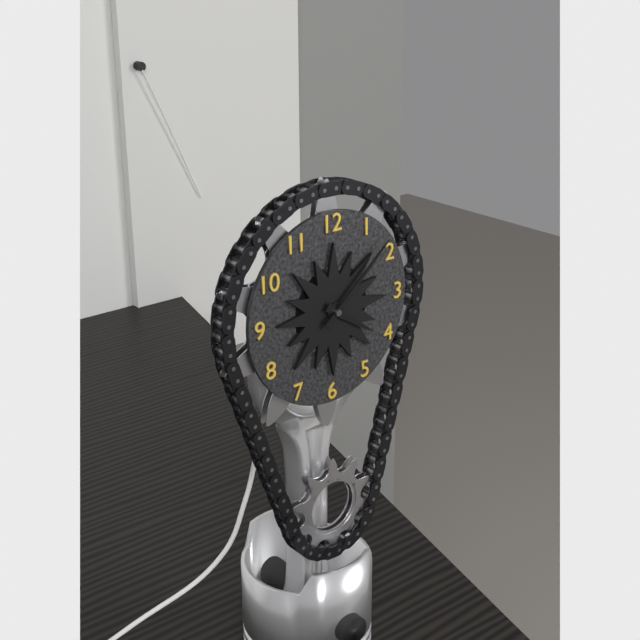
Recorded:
{"hour": 4, "minute": 8}
